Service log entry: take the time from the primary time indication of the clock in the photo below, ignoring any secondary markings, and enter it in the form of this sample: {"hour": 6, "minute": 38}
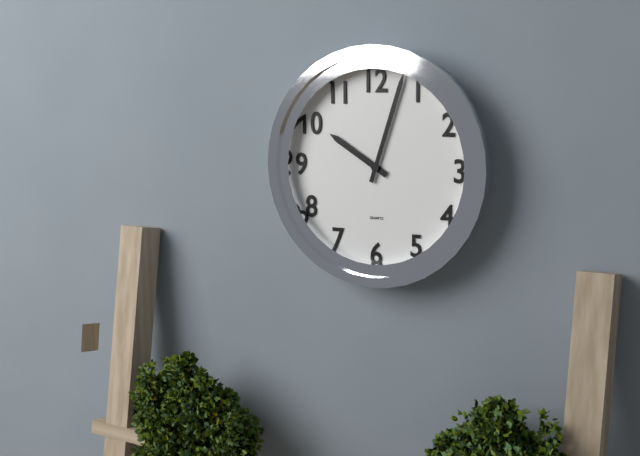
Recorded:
{"hour": 10, "minute": 3}
